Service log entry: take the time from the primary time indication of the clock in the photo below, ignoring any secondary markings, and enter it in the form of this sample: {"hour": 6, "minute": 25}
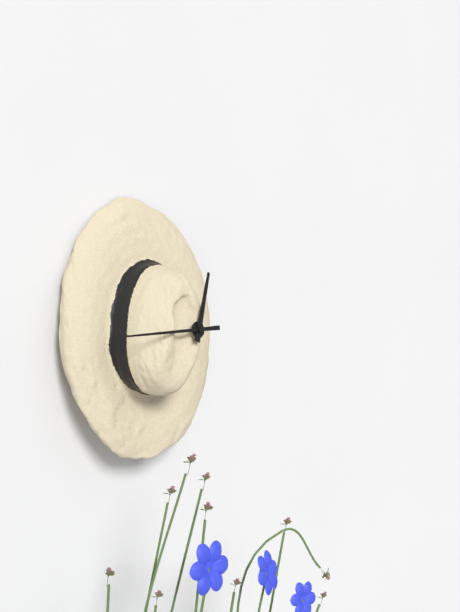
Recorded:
{"hour": 12, "minute": 45}
